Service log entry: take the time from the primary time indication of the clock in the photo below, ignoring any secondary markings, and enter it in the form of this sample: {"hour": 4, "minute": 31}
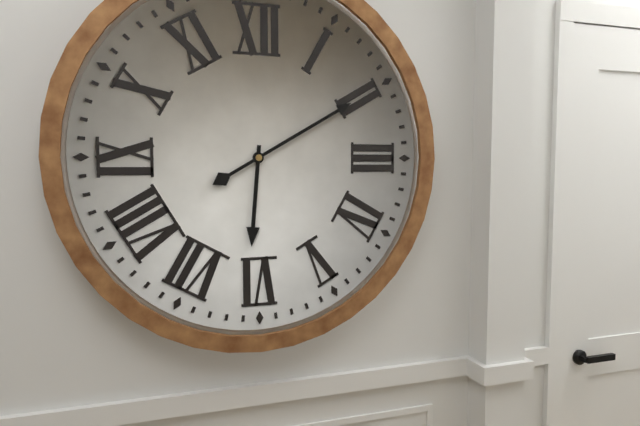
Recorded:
{"hour": 6, "minute": 10}
